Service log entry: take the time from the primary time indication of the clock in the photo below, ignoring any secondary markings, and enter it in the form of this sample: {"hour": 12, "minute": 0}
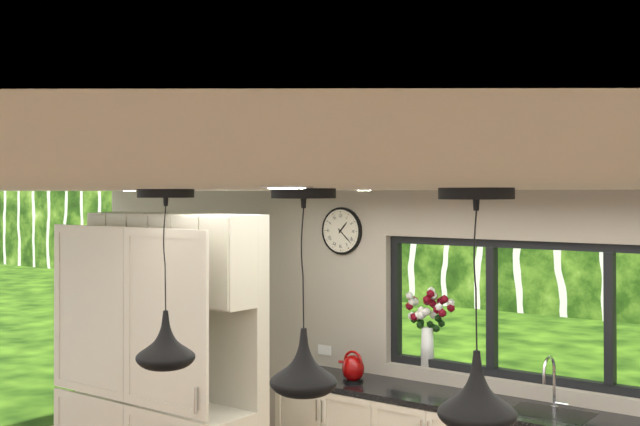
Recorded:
{"hour": 1, "minute": 22}
